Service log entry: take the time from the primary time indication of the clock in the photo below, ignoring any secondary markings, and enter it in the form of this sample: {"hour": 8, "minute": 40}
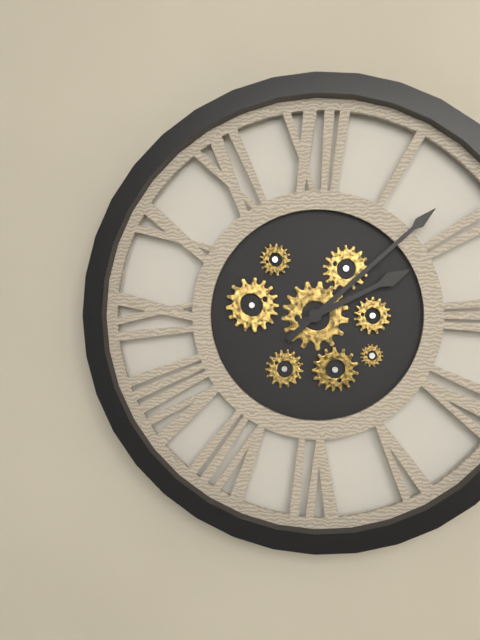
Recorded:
{"hour": 2, "minute": 8}
